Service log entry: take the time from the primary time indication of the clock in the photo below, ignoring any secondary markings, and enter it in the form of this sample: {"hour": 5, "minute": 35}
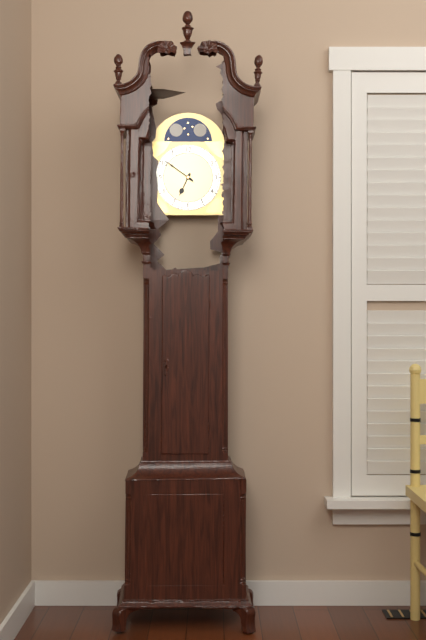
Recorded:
{"hour": 6, "minute": 51}
